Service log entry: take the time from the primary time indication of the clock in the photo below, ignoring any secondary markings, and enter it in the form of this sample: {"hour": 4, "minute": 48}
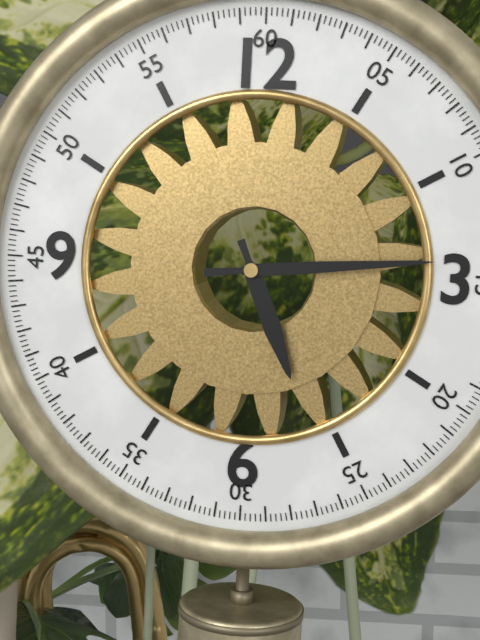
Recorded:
{"hour": 5, "minute": 14}
